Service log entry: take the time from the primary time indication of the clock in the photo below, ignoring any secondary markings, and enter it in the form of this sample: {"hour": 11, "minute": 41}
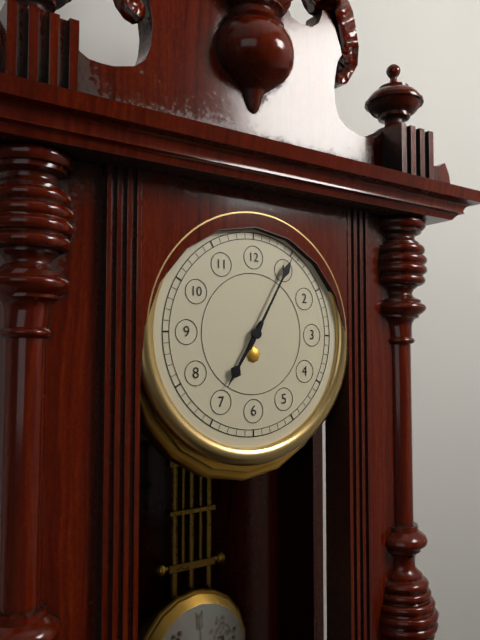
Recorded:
{"hour": 7, "minute": 5}
